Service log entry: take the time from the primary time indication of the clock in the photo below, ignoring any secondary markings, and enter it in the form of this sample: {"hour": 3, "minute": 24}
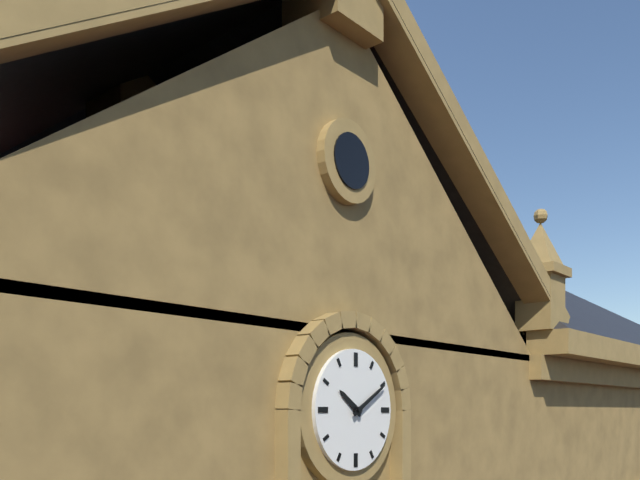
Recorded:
{"hour": 10, "minute": 10}
